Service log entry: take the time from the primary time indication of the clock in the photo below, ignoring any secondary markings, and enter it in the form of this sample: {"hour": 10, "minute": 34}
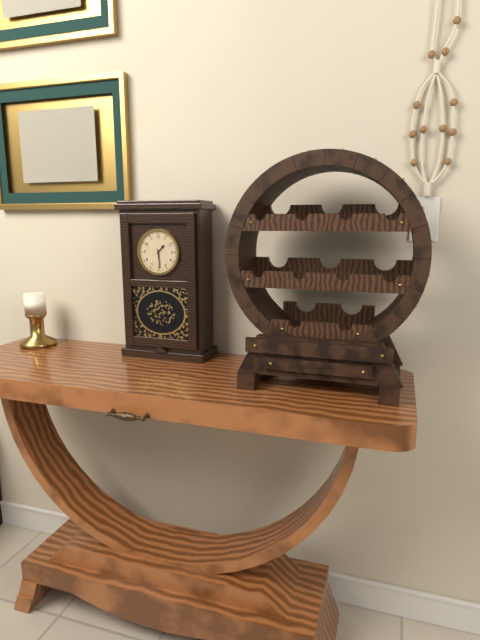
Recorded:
{"hour": 1, "minute": 29}
